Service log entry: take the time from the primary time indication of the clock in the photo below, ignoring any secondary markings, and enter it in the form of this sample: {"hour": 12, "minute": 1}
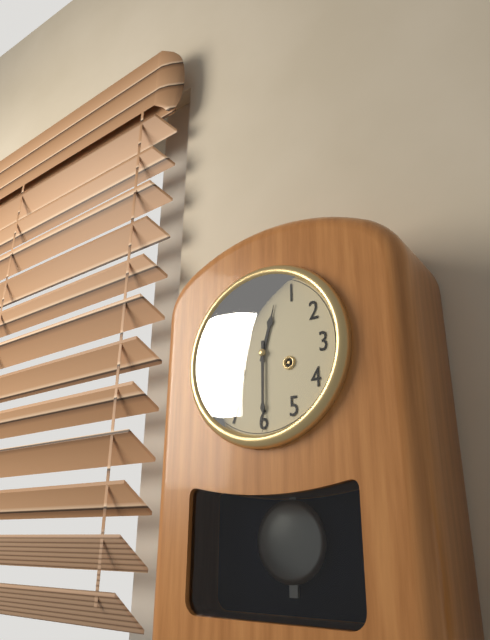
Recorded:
{"hour": 12, "minute": 30}
